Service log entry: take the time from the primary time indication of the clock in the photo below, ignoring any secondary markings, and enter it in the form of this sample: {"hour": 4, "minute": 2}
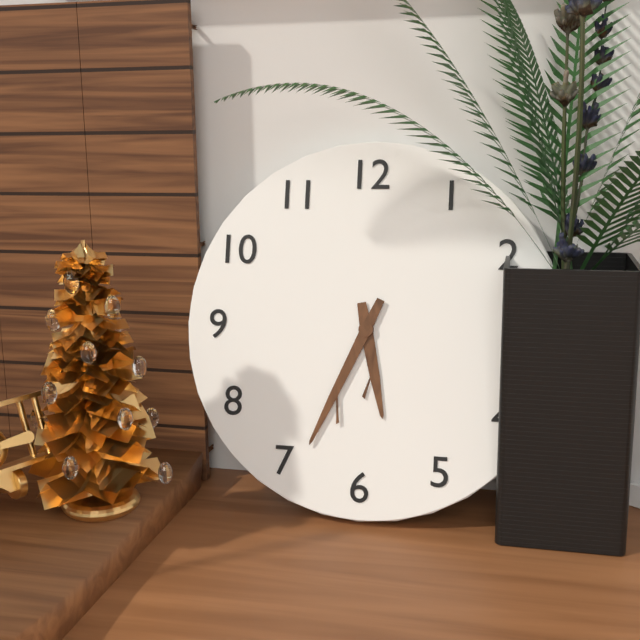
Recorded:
{"hour": 5, "minute": 34}
